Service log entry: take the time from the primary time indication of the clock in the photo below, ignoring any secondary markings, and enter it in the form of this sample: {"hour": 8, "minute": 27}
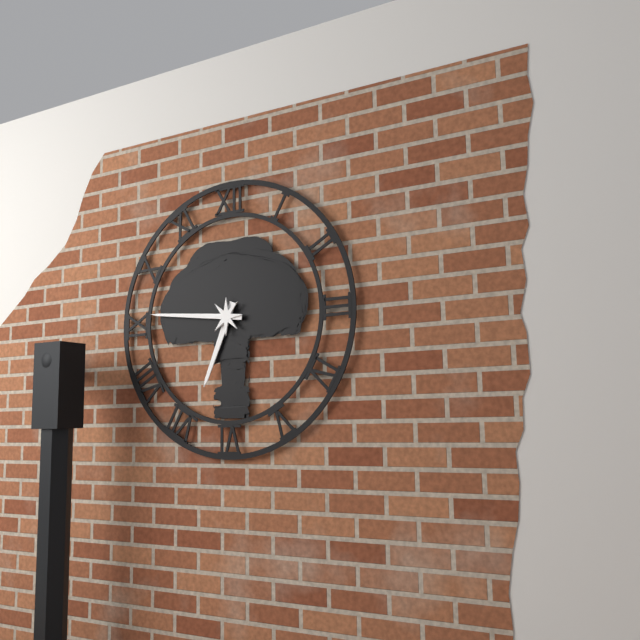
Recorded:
{"hour": 6, "minute": 46}
